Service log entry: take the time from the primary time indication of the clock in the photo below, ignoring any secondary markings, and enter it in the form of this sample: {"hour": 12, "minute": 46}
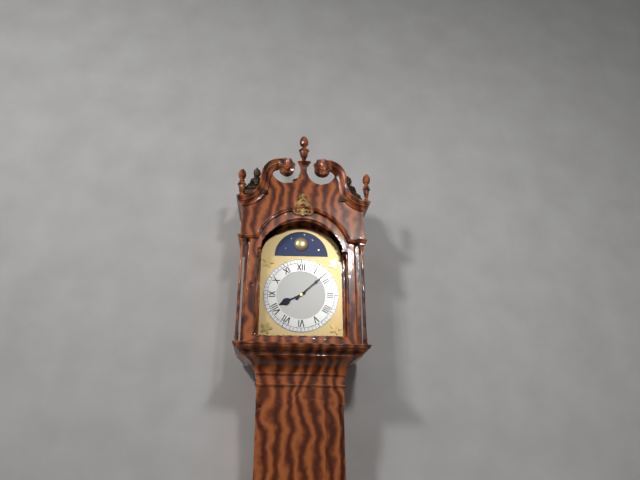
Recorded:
{"hour": 8, "minute": 8}
